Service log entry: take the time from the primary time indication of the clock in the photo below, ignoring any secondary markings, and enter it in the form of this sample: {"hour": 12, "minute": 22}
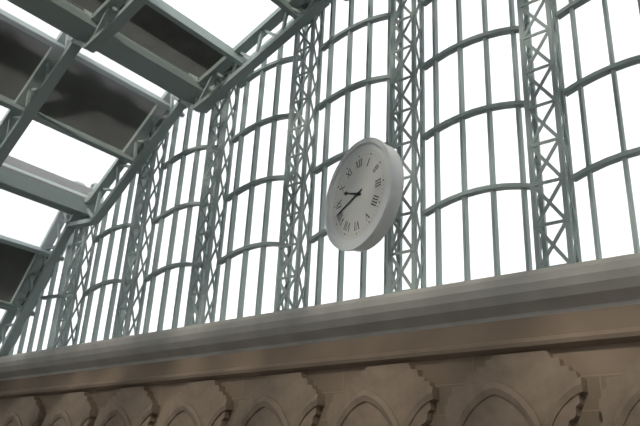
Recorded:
{"hour": 9, "minute": 42}
